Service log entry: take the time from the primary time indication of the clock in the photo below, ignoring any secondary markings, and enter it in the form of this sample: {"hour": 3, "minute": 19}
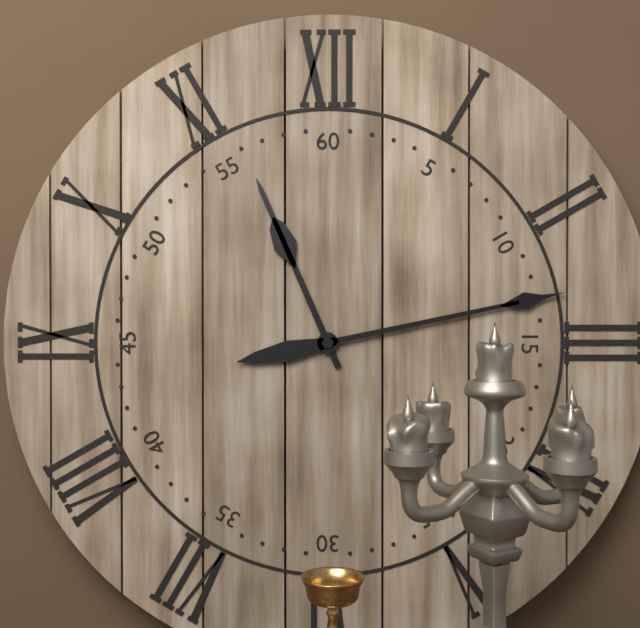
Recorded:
{"hour": 11, "minute": 13}
